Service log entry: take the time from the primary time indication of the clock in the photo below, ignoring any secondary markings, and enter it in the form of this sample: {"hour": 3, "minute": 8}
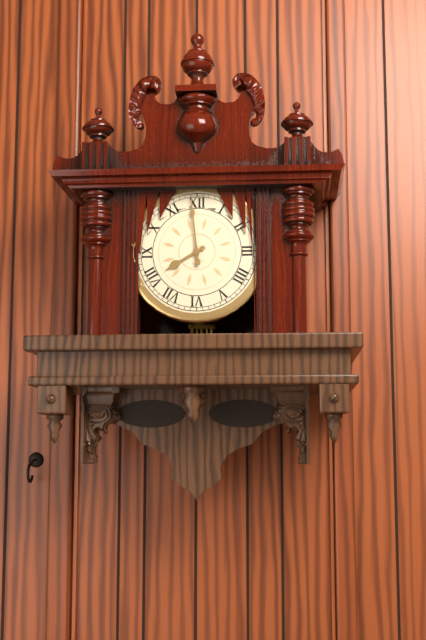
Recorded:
{"hour": 7, "minute": 59}
